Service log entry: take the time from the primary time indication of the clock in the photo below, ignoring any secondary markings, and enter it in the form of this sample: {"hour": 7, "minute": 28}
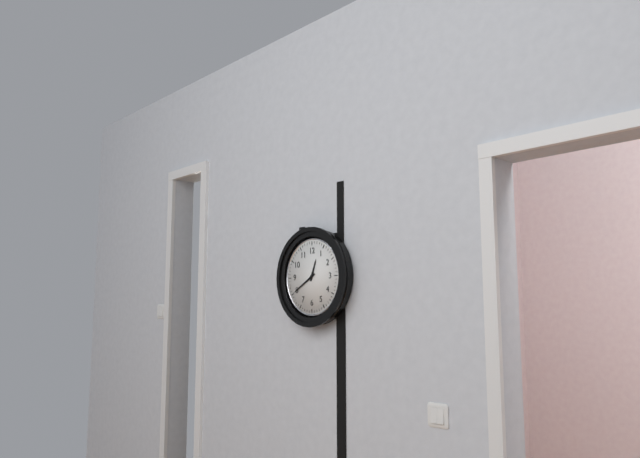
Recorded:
{"hour": 12, "minute": 40}
